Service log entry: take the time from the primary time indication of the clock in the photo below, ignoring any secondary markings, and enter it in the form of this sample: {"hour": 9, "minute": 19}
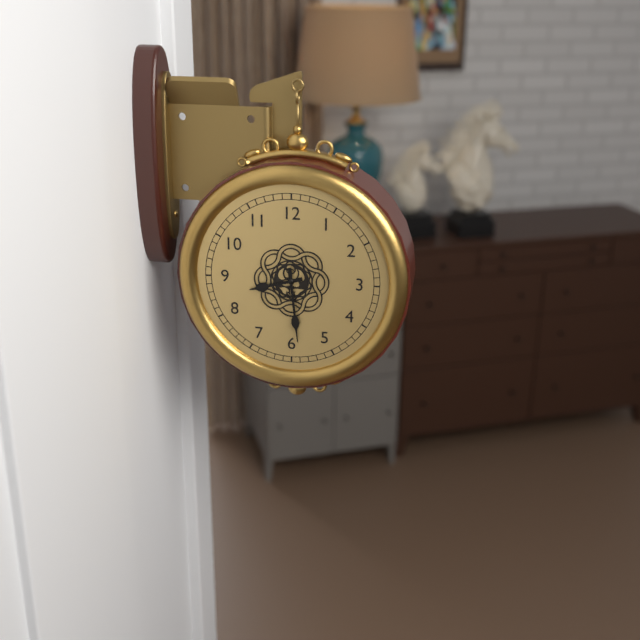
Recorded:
{"hour": 8, "minute": 29}
